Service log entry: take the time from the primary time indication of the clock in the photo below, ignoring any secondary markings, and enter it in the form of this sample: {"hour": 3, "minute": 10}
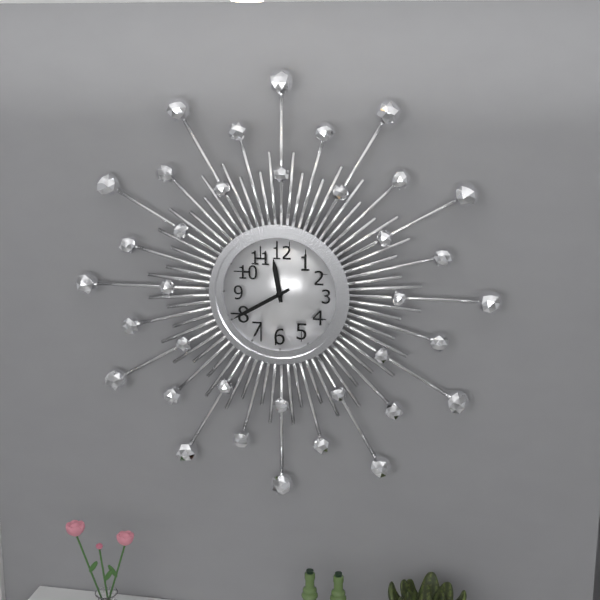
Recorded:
{"hour": 11, "minute": 40}
